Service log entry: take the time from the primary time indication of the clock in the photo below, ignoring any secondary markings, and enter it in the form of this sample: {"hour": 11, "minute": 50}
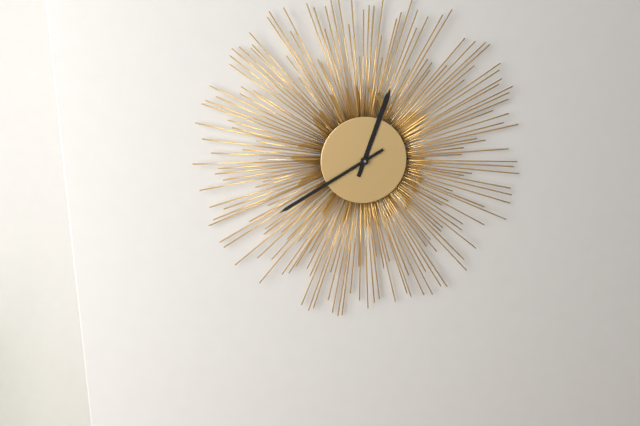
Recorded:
{"hour": 12, "minute": 40}
